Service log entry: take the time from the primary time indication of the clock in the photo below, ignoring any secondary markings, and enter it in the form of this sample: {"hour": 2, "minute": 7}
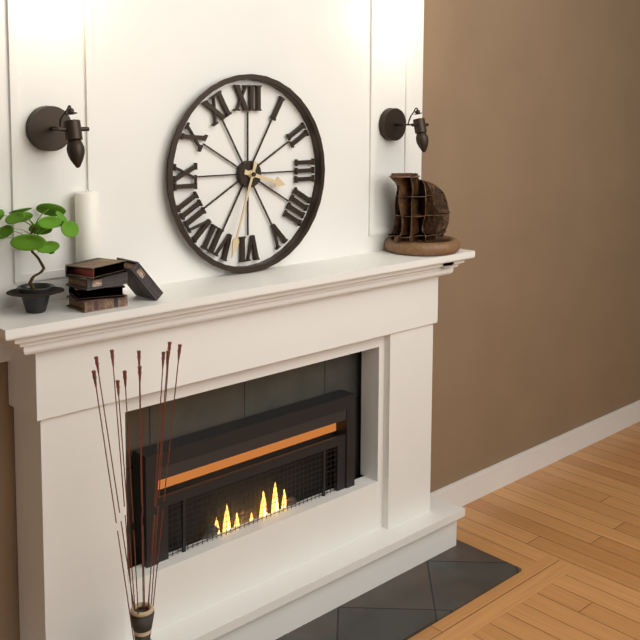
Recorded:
{"hour": 3, "minute": 33}
